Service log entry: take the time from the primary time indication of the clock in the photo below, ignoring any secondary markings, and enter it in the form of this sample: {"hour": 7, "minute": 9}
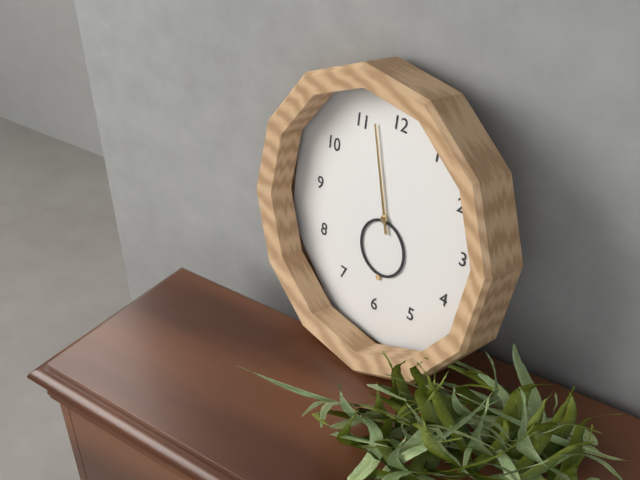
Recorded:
{"hour": 5, "minute": 57}
